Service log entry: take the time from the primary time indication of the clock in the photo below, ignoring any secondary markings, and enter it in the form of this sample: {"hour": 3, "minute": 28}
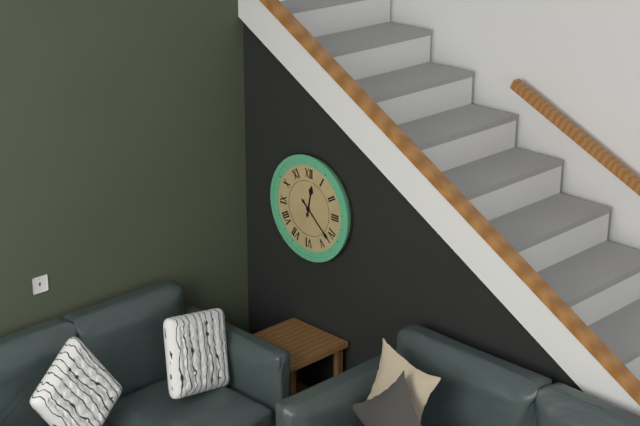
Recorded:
{"hour": 12, "minute": 22}
